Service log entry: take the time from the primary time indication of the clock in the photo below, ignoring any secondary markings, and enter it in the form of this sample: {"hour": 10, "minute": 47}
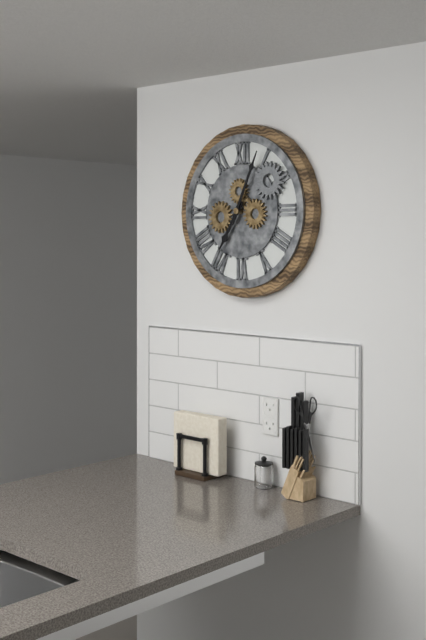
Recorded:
{"hour": 7, "minute": 4}
